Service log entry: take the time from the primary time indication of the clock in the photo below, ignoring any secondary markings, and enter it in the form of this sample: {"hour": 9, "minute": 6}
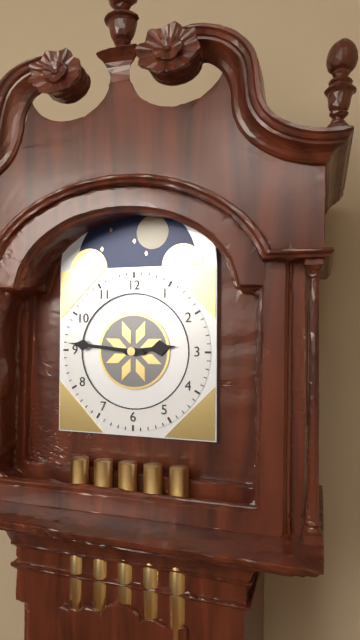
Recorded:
{"hour": 2, "minute": 46}
